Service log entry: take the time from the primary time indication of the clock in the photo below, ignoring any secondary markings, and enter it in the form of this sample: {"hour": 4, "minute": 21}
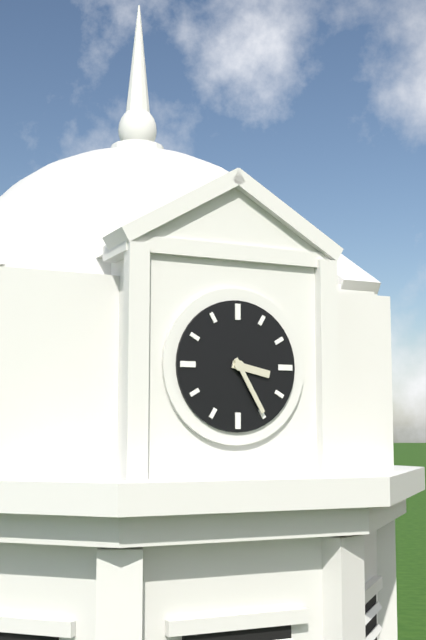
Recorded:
{"hour": 3, "minute": 25}
